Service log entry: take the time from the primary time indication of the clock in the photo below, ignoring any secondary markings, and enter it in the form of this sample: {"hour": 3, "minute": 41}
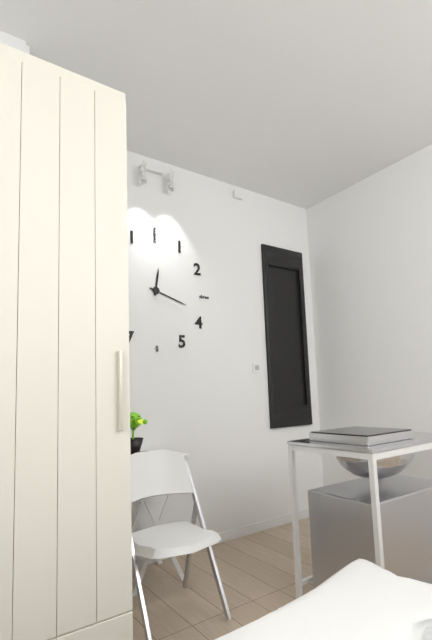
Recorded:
{"hour": 12, "minute": 18}
